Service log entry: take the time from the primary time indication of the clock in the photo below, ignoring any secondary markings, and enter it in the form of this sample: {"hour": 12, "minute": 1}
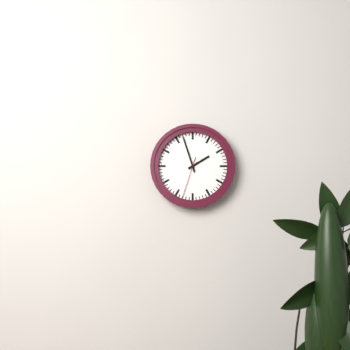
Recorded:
{"hour": 1, "minute": 57}
